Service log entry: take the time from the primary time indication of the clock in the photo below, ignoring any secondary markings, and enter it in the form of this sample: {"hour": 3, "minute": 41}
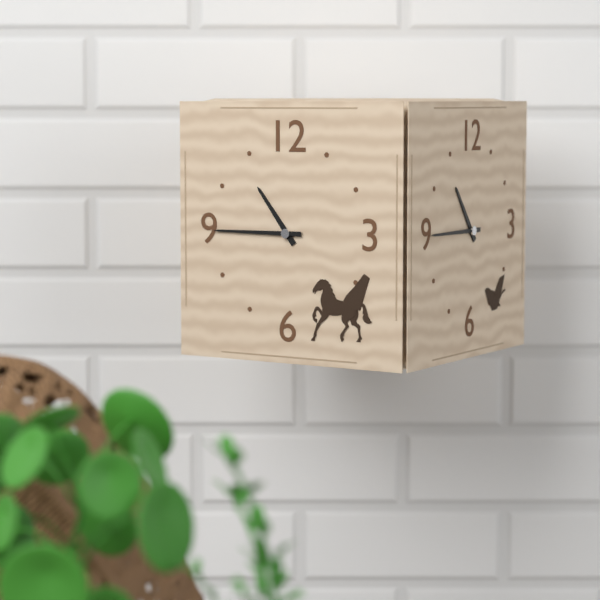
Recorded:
{"hour": 10, "minute": 45}
